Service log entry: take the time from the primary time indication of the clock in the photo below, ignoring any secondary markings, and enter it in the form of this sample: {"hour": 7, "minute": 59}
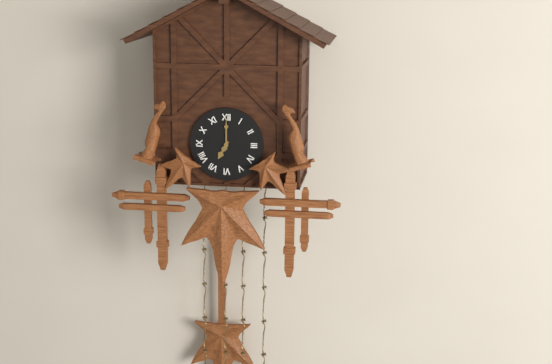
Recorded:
{"hour": 7, "minute": 0}
